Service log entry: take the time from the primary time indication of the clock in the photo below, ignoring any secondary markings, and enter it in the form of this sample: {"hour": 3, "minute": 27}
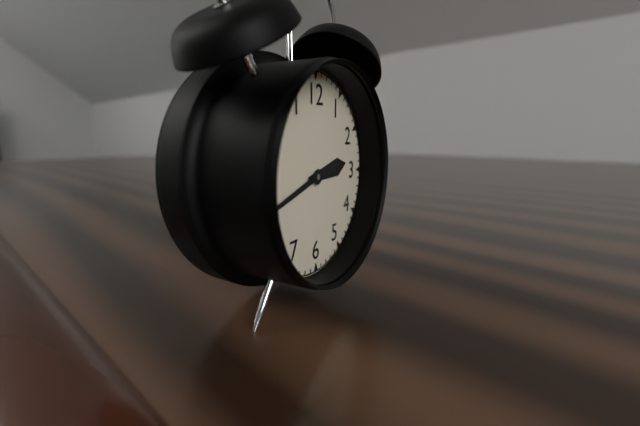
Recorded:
{"hour": 2, "minute": 42}
